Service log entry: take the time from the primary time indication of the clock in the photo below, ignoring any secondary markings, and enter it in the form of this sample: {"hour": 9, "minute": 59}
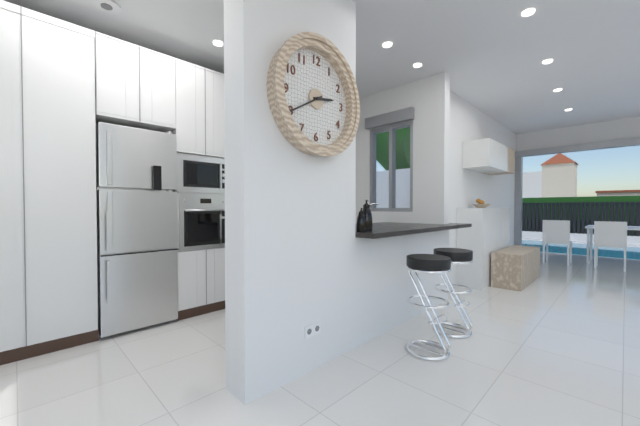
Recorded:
{"hour": 2, "minute": 40}
